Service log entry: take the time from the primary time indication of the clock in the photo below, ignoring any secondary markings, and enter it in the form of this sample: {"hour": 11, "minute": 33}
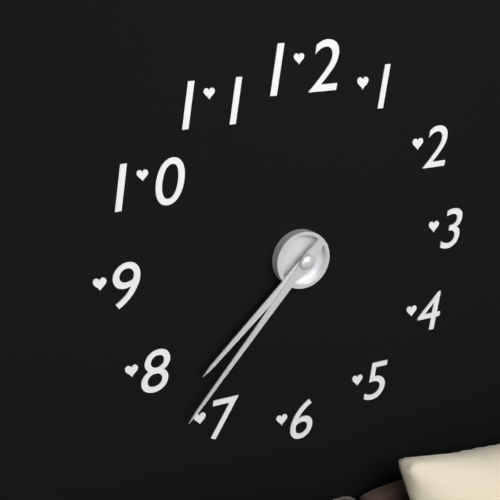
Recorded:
{"hour": 7, "minute": 37}
